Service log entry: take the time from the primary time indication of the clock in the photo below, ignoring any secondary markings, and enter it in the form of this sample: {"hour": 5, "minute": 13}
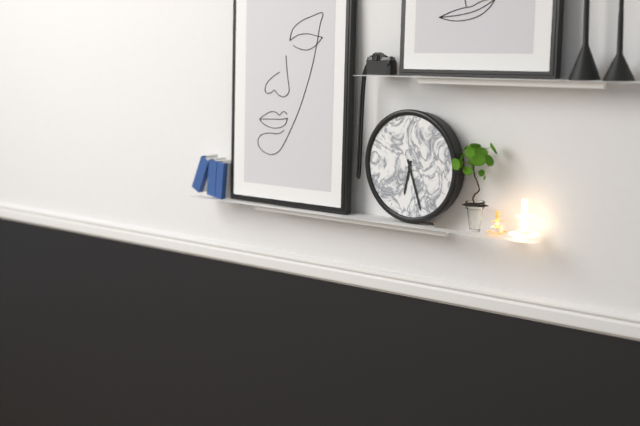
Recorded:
{"hour": 6, "minute": 27}
